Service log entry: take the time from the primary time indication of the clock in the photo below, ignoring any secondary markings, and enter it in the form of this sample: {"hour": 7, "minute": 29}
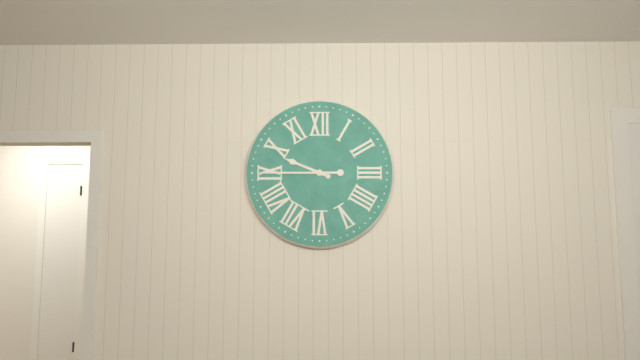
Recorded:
{"hour": 9, "minute": 45}
